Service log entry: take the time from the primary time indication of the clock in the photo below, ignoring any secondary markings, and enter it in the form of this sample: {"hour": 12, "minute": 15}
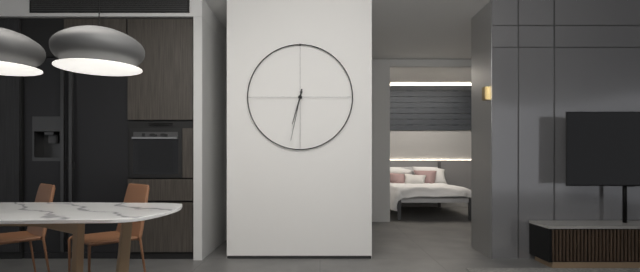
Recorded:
{"hour": 6, "minute": 32}
